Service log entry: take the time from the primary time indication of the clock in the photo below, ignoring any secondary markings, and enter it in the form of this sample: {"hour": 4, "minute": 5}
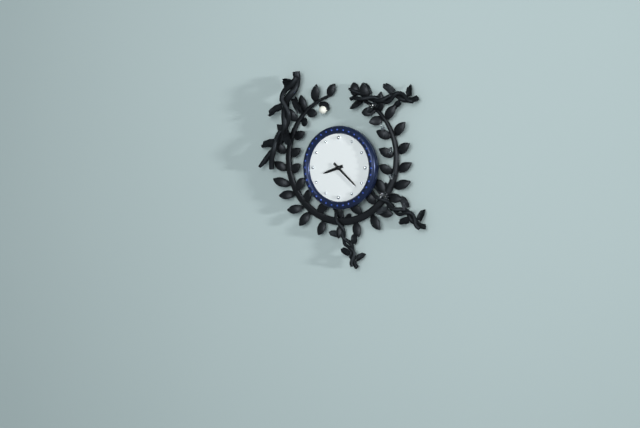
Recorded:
{"hour": 8, "minute": 22}
